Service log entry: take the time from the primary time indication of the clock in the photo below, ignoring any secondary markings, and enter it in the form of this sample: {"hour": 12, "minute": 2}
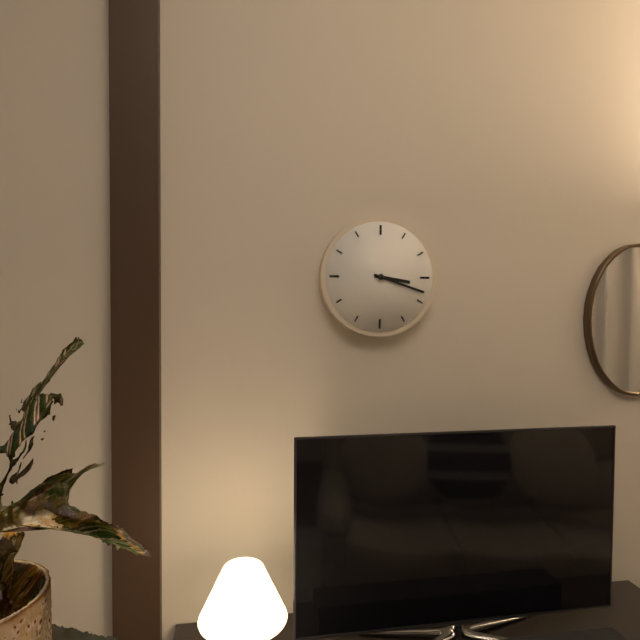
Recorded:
{"hour": 3, "minute": 18}
